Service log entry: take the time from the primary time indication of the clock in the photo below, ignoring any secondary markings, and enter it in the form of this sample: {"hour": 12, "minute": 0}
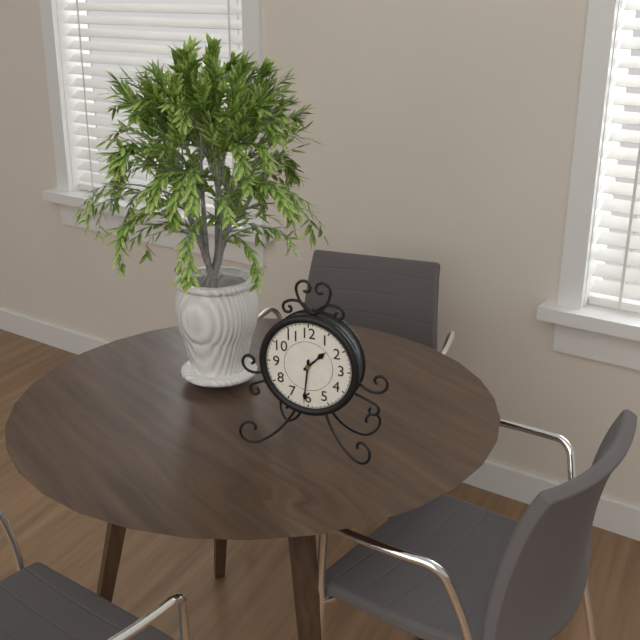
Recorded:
{"hour": 1, "minute": 31}
